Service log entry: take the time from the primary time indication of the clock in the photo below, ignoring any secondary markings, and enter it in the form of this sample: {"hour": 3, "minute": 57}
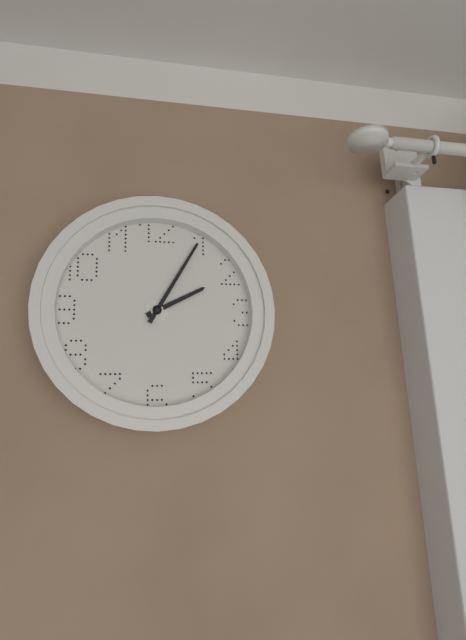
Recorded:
{"hour": 2, "minute": 5}
